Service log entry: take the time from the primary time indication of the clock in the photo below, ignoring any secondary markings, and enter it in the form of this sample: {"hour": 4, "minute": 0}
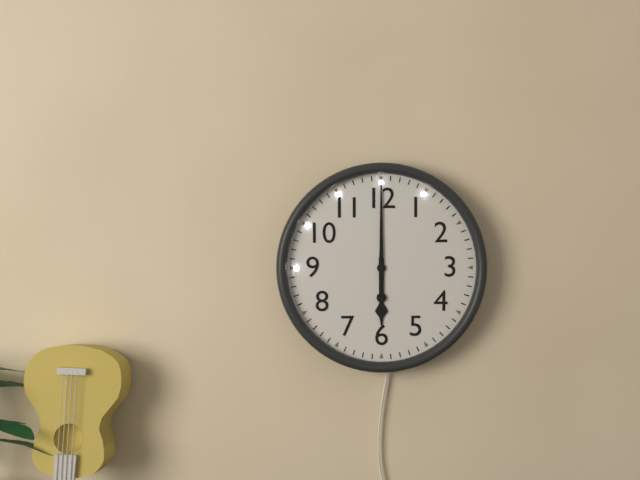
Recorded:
{"hour": 6, "minute": 0}
